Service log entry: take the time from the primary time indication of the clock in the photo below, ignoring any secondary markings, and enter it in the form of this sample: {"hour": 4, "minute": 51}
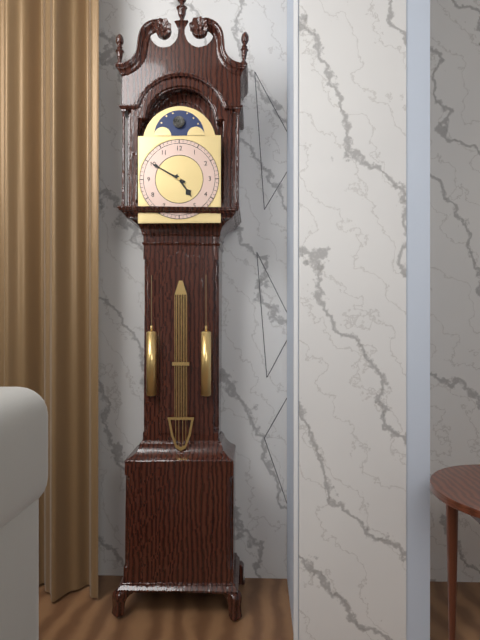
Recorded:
{"hour": 4, "minute": 50}
